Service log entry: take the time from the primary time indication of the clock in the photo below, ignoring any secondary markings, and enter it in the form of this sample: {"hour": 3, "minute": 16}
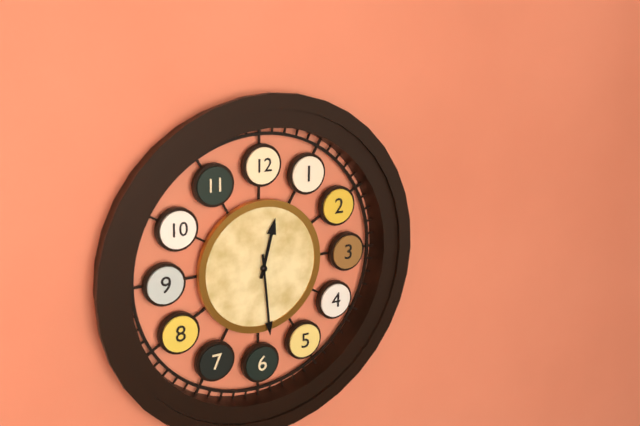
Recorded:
{"hour": 12, "minute": 29}
